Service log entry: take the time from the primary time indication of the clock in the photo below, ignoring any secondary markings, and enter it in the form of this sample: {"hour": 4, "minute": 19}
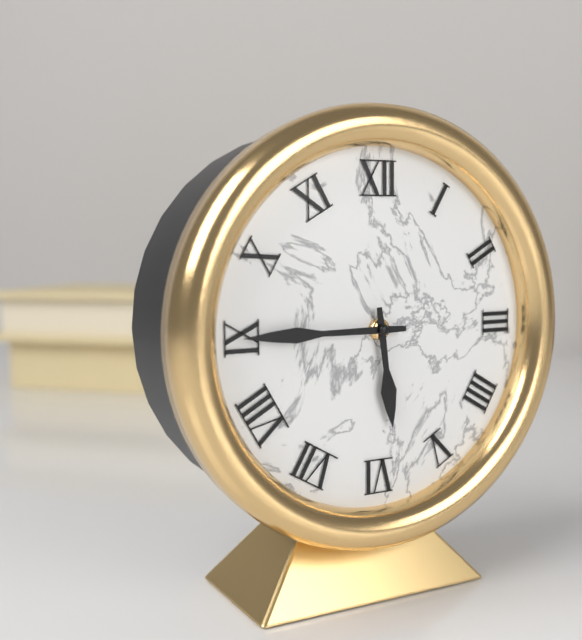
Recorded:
{"hour": 5, "minute": 45}
